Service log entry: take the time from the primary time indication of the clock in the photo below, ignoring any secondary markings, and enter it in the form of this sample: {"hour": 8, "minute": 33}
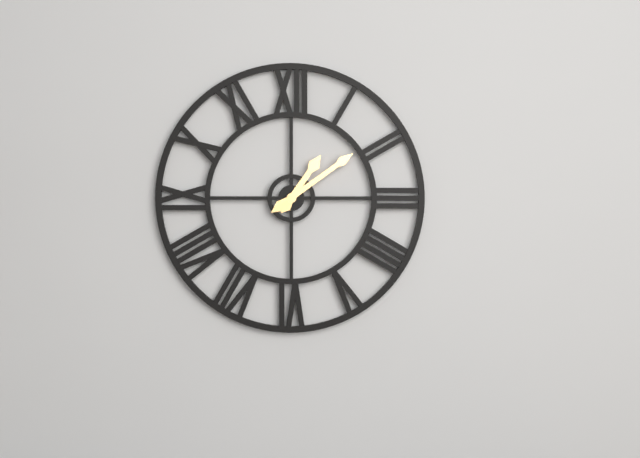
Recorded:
{"hour": 1, "minute": 9}
